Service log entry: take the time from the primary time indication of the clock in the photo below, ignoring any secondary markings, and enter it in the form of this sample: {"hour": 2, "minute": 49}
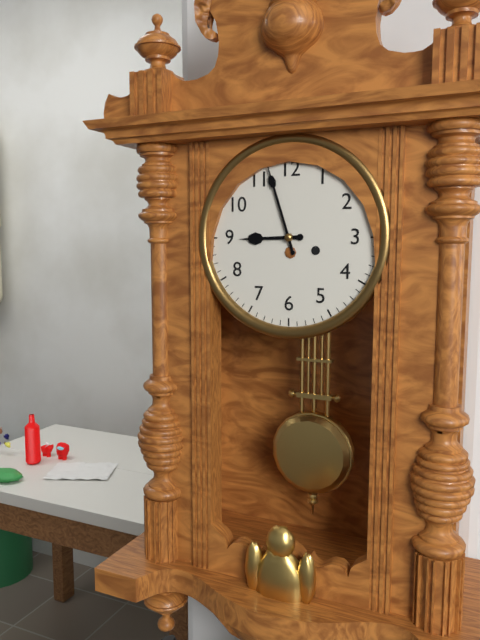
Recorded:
{"hour": 8, "minute": 57}
